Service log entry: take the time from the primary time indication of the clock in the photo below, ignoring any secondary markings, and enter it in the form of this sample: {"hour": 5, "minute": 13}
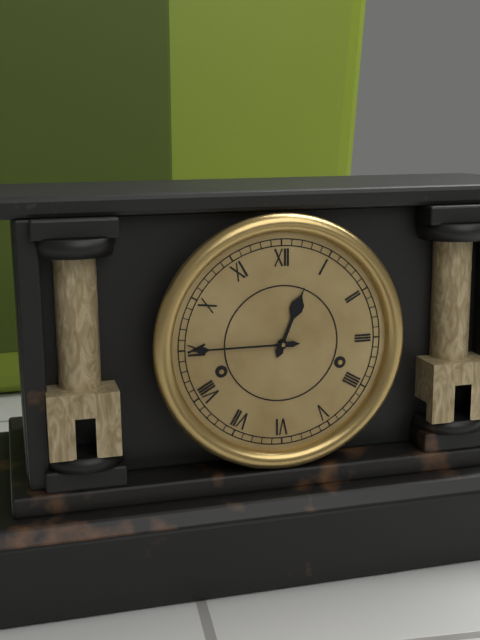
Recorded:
{"hour": 12, "minute": 45}
